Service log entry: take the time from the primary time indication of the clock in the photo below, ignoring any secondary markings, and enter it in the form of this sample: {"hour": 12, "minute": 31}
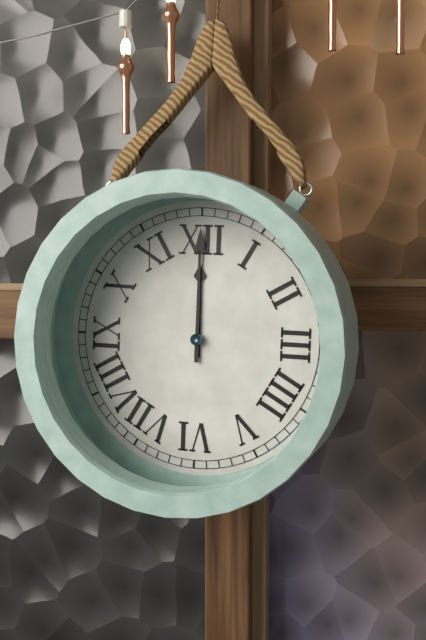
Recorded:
{"hour": 12, "minute": 0}
